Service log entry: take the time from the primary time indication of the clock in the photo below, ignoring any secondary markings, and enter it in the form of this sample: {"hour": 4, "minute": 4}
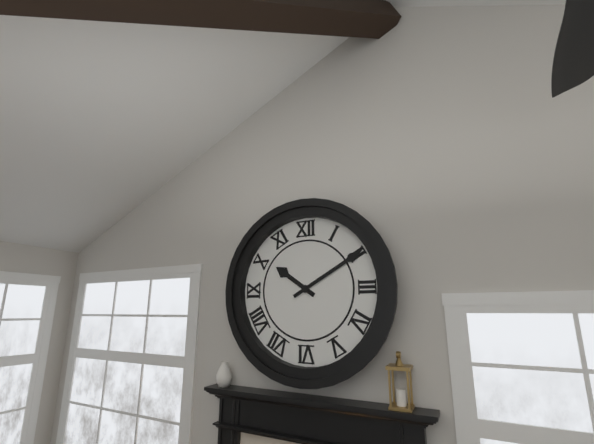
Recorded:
{"hour": 10, "minute": 10}
